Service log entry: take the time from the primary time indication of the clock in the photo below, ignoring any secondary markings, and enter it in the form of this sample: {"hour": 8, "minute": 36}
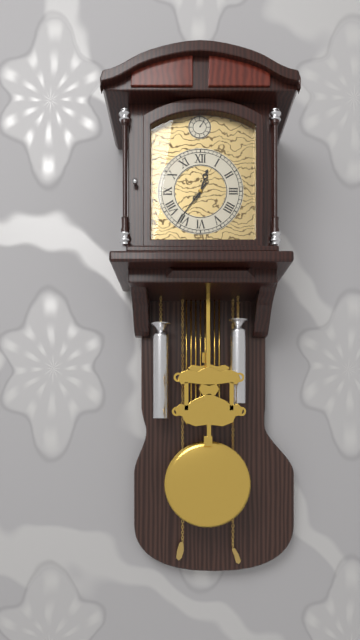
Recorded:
{"hour": 12, "minute": 36}
